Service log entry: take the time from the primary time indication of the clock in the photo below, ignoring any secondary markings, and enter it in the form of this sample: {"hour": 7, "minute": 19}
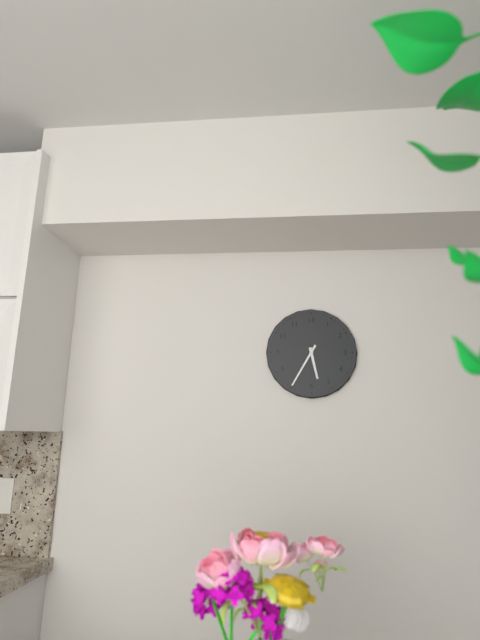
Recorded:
{"hour": 5, "minute": 35}
